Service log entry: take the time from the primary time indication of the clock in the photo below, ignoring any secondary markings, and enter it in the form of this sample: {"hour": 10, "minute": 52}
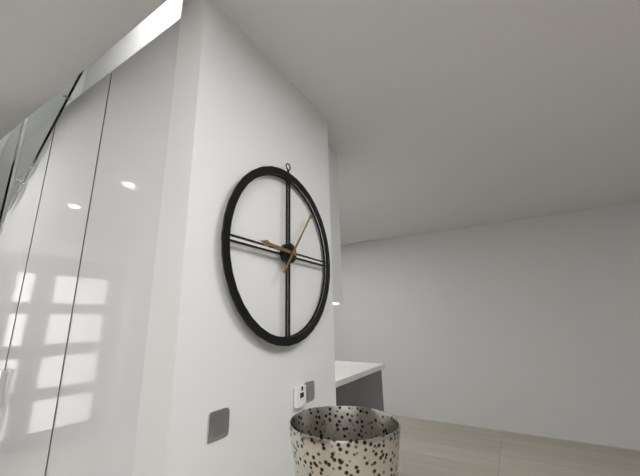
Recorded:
{"hour": 9, "minute": 6}
